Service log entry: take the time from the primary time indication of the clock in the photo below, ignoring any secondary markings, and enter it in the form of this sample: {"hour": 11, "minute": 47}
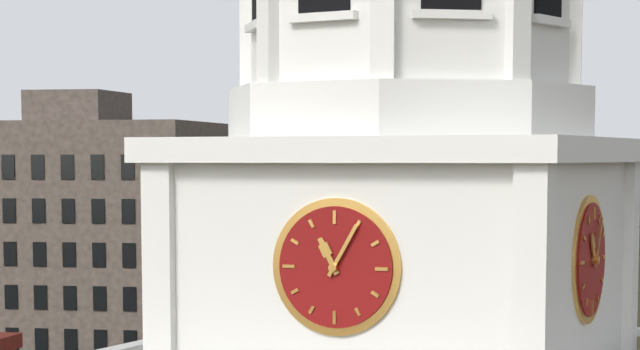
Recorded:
{"hour": 11, "minute": 5}
